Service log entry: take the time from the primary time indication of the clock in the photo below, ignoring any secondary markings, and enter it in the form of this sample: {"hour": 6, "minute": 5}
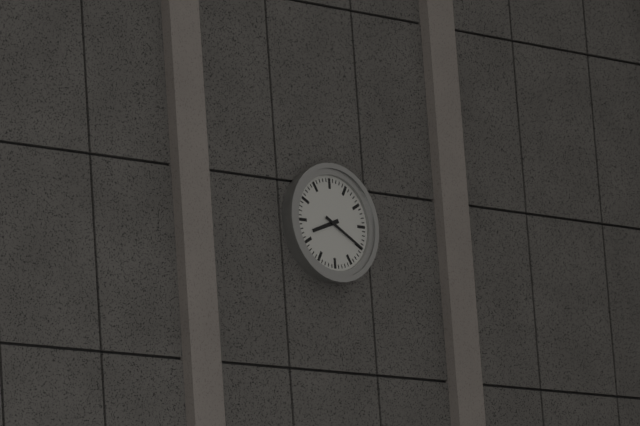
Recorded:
{"hour": 8, "minute": 20}
